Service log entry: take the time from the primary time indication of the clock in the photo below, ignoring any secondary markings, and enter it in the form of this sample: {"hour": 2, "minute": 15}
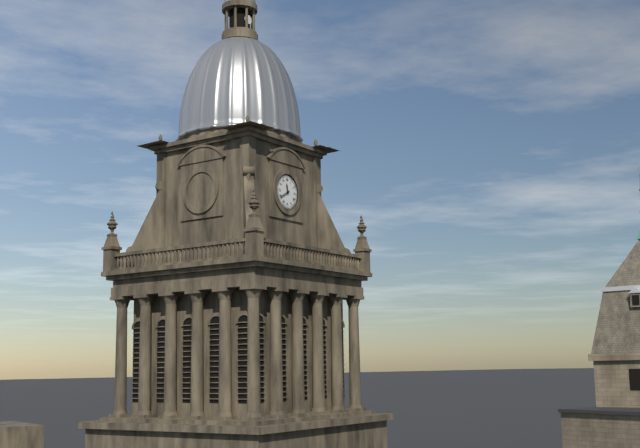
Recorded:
{"hour": 11, "minute": 40}
